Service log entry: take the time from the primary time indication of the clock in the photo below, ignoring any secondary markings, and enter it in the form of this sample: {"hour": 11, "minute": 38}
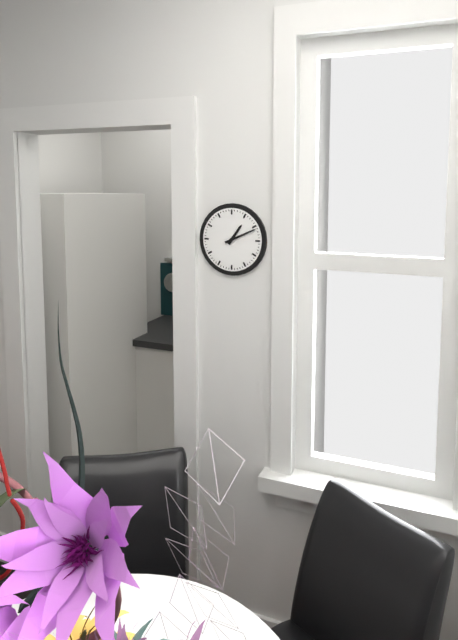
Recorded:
{"hour": 1, "minute": 11}
